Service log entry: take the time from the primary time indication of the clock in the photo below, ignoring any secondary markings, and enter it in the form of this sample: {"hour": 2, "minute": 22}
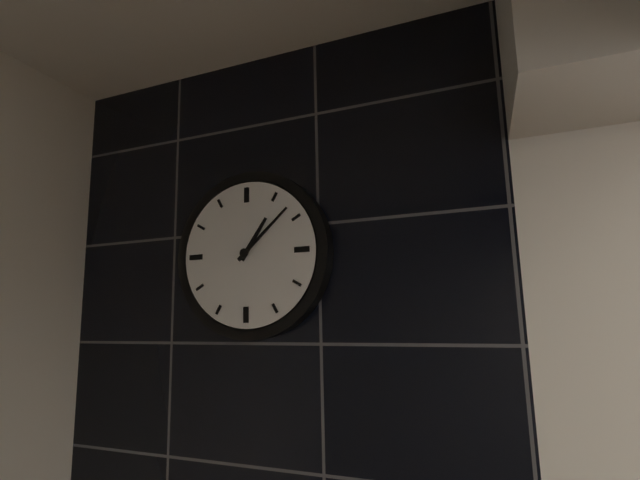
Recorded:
{"hour": 1, "minute": 8}
